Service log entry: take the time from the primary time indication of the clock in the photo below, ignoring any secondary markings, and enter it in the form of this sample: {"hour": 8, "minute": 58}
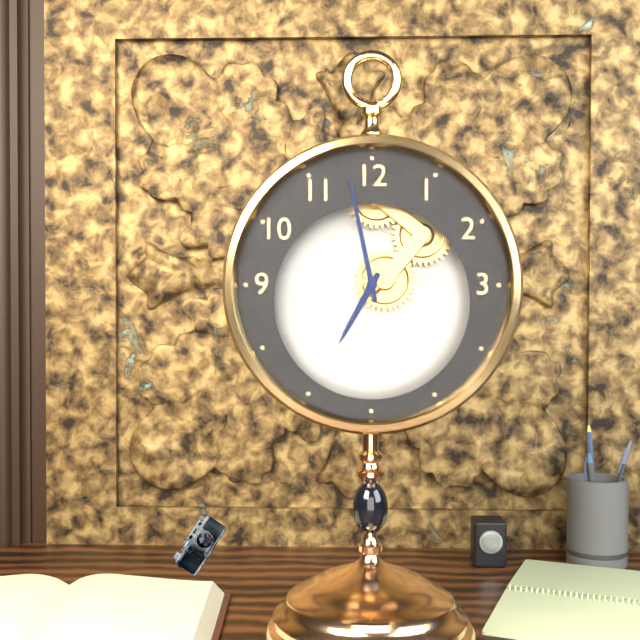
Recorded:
{"hour": 6, "minute": 58}
